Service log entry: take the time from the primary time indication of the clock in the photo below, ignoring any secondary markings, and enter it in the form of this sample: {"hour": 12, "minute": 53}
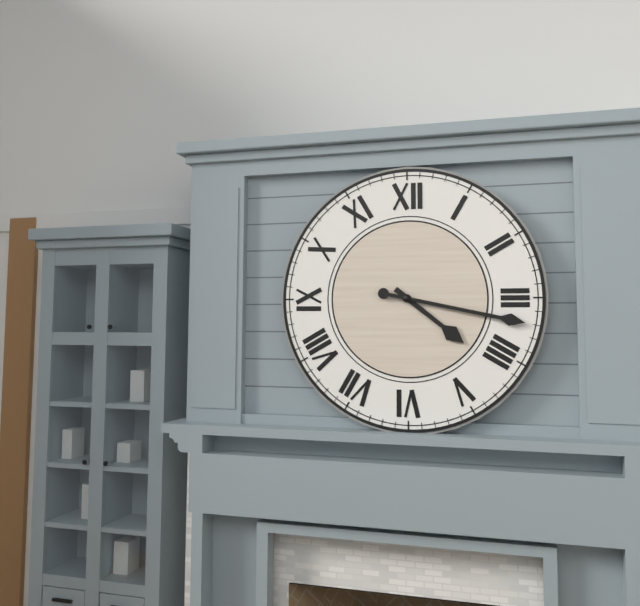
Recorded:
{"hour": 4, "minute": 17}
